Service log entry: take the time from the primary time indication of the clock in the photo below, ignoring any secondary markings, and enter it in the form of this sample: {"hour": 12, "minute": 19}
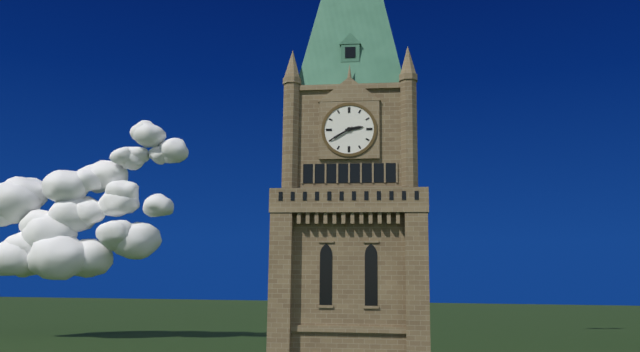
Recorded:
{"hour": 2, "minute": 40}
